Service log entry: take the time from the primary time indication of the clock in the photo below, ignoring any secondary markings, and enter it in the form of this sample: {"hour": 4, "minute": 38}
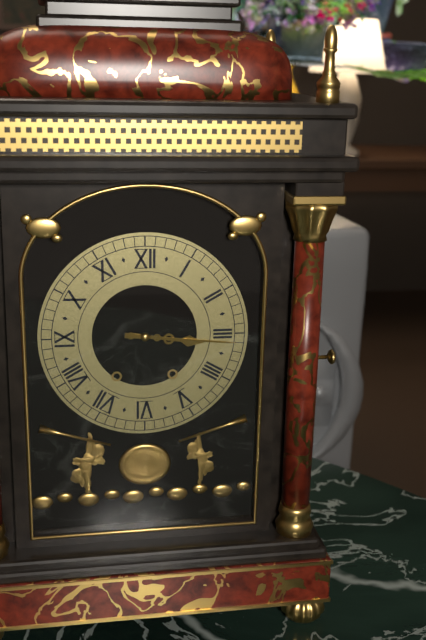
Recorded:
{"hour": 3, "minute": 16}
